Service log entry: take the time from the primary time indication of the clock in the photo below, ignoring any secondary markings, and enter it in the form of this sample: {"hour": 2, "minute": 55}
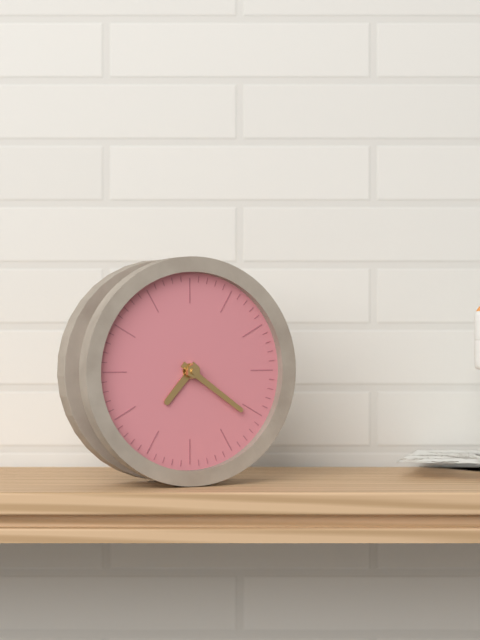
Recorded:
{"hour": 7, "minute": 21}
